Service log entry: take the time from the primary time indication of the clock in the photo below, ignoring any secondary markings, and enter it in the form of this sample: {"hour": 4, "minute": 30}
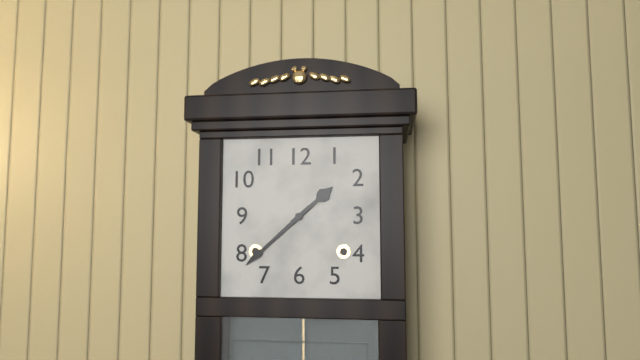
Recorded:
{"hour": 1, "minute": 38}
